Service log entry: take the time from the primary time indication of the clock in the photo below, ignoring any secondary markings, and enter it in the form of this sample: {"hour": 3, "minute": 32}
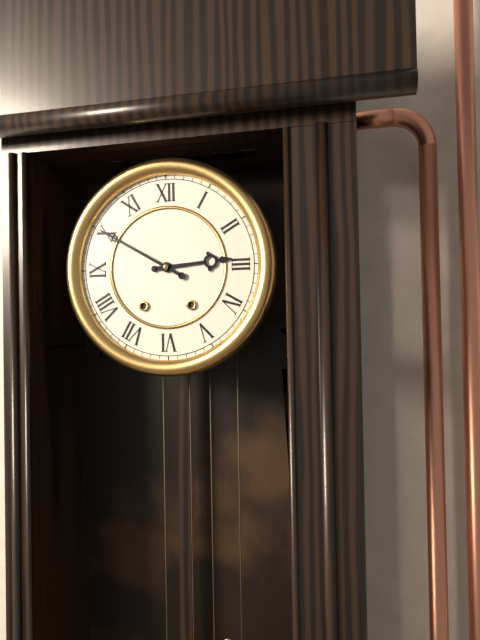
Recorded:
{"hour": 2, "minute": 50}
